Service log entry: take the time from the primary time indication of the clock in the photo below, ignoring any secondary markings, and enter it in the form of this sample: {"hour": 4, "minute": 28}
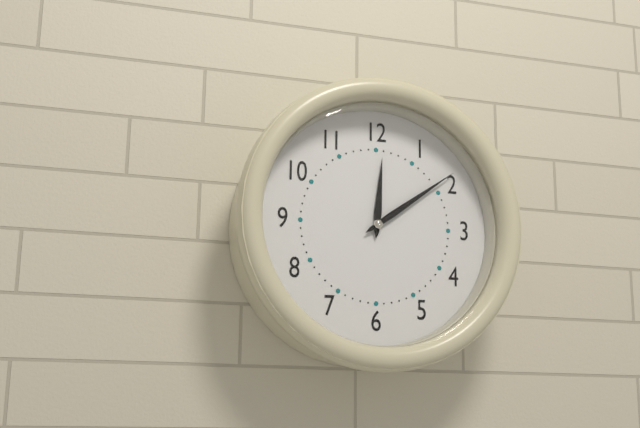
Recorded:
{"hour": 12, "minute": 9}
